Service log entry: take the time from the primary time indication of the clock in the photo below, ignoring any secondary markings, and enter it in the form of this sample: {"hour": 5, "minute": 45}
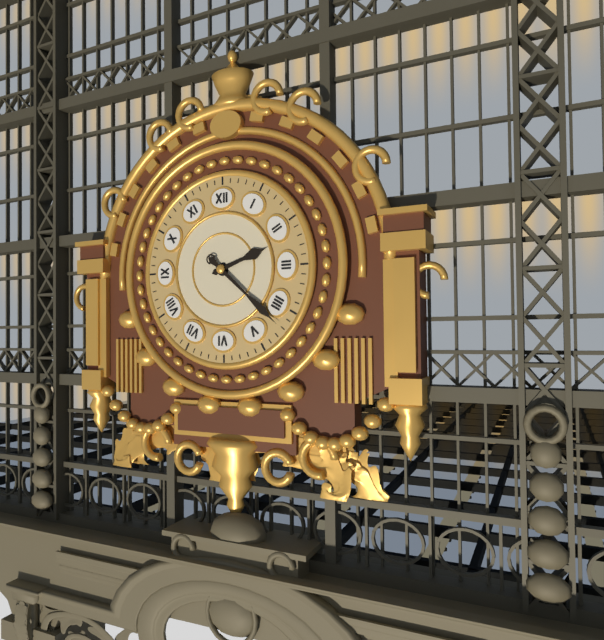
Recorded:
{"hour": 2, "minute": 22}
